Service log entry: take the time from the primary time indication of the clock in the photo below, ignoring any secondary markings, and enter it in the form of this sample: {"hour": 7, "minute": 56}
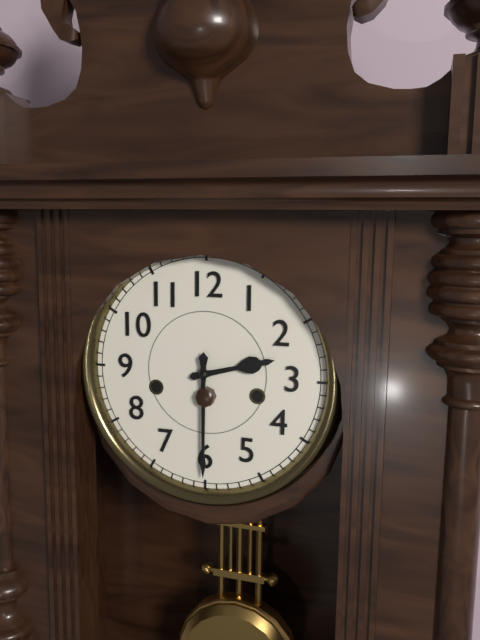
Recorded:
{"hour": 2, "minute": 30}
